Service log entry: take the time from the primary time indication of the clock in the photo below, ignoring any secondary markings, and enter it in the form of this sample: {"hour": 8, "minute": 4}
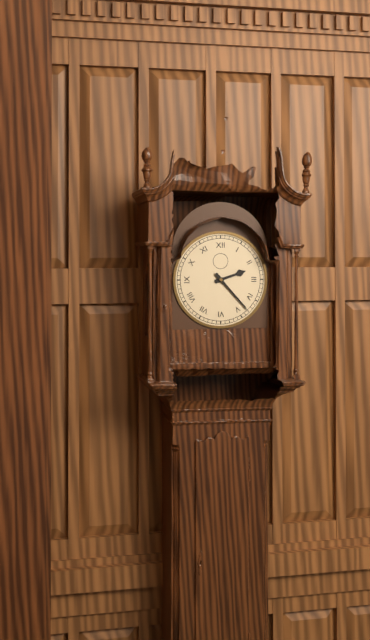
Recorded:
{"hour": 2, "minute": 23}
